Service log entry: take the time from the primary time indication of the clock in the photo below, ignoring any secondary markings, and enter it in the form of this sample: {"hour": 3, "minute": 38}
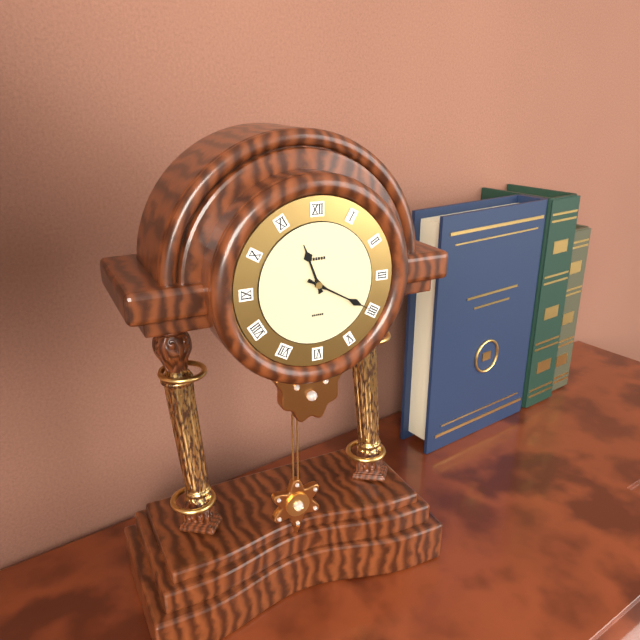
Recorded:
{"hour": 11, "minute": 20}
